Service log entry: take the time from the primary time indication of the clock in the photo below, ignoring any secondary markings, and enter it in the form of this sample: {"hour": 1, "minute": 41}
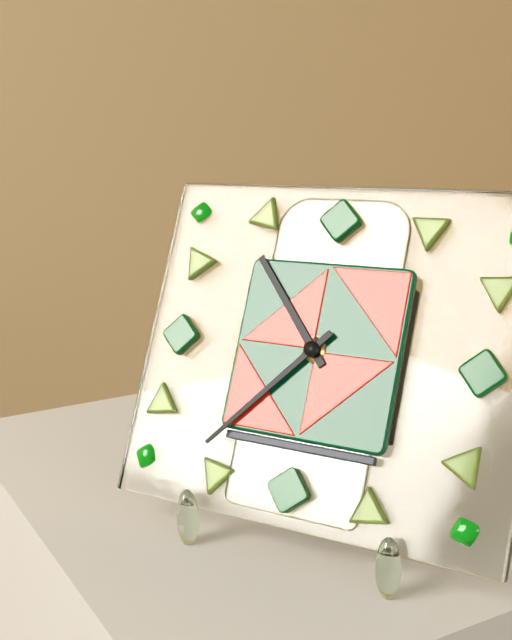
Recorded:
{"hour": 10, "minute": 37}
